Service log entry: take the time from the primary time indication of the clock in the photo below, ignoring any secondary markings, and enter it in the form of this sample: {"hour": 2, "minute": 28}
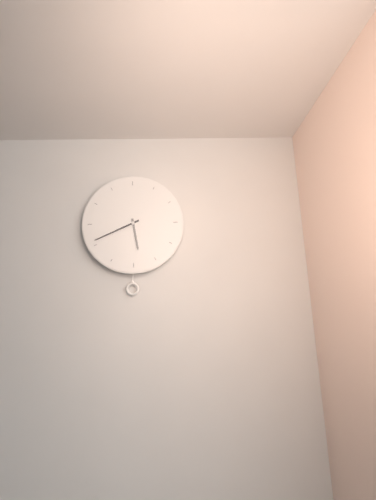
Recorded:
{"hour": 5, "minute": 41}
